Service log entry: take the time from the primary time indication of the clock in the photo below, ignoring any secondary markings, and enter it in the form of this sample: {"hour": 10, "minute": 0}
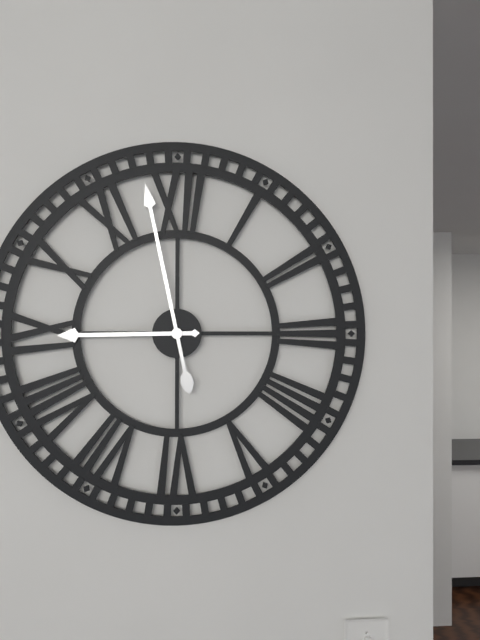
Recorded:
{"hour": 8, "minute": 58}
